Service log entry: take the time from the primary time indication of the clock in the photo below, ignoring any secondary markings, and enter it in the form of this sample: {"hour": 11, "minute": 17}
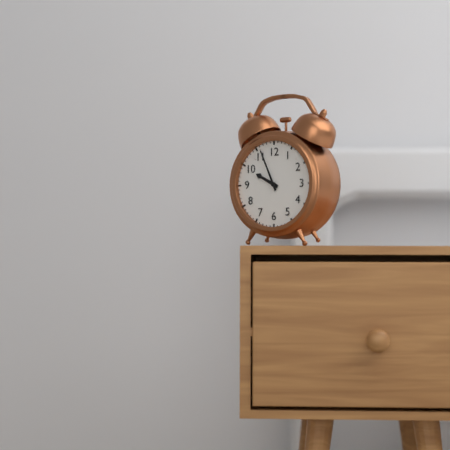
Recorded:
{"hour": 9, "minute": 56}
